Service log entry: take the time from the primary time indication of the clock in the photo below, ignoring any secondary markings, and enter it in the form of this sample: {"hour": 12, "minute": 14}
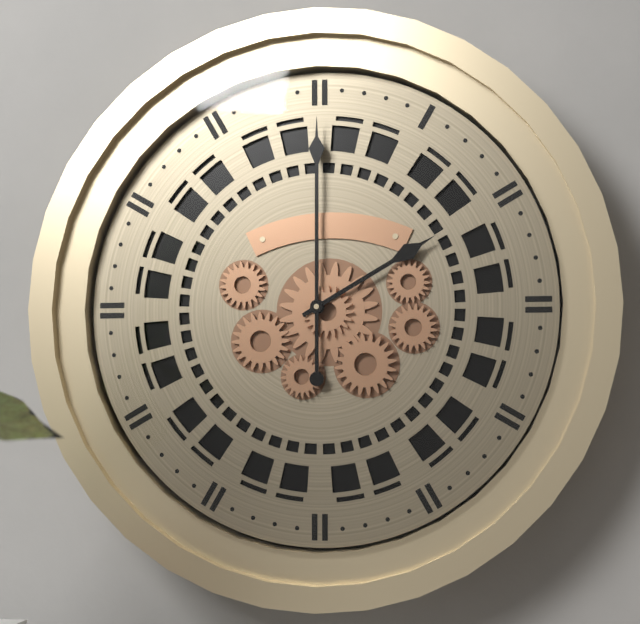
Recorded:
{"hour": 2, "minute": 0}
